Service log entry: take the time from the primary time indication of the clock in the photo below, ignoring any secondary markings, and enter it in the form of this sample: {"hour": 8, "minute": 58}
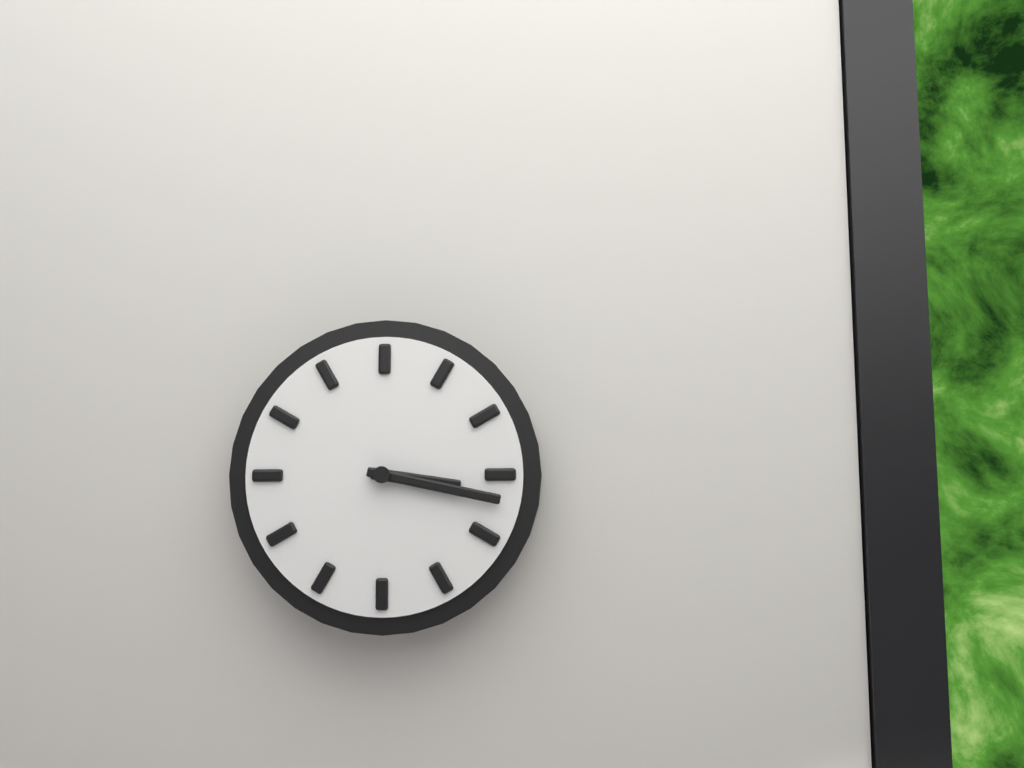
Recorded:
{"hour": 3, "minute": 17}
